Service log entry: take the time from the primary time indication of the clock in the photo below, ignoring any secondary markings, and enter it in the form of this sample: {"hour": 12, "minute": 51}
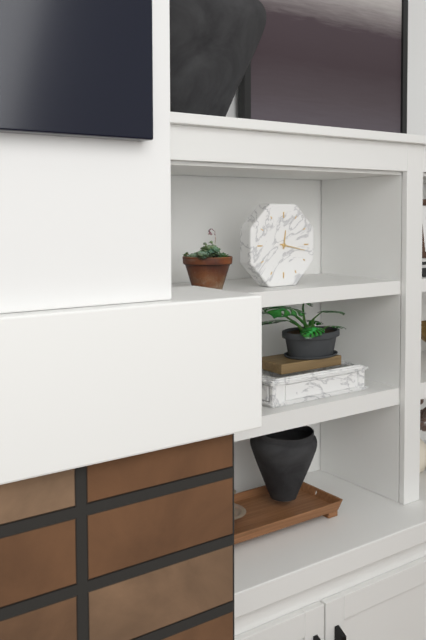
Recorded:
{"hour": 12, "minute": 17}
